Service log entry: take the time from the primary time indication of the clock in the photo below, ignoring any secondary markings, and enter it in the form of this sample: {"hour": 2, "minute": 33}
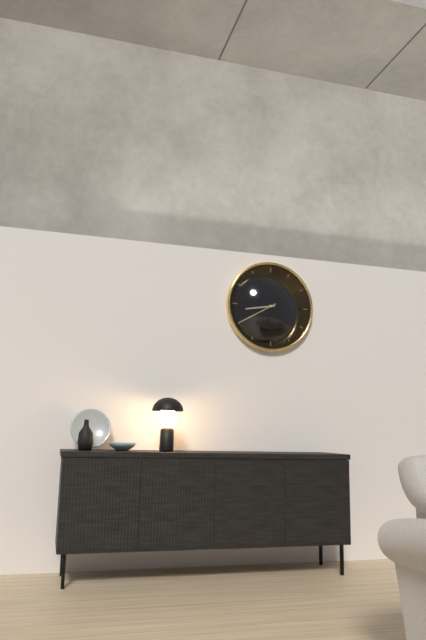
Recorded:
{"hour": 8, "minute": 40}
